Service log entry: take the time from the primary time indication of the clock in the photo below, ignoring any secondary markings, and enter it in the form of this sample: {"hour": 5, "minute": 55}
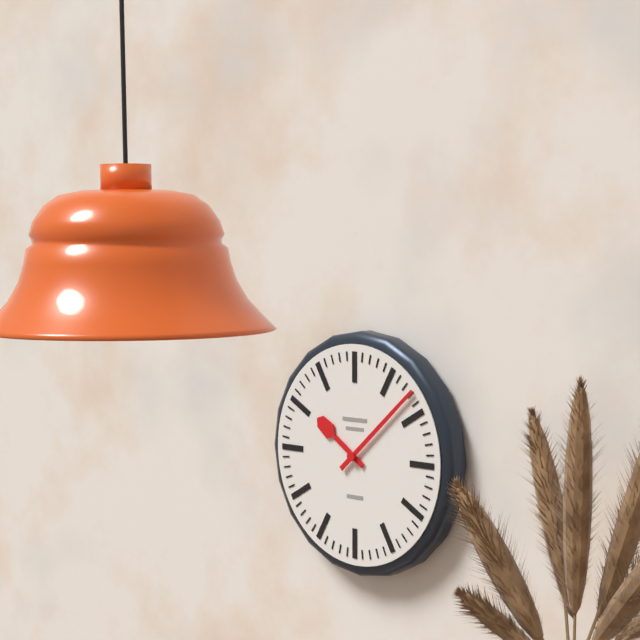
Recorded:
{"hour": 10, "minute": 8}
